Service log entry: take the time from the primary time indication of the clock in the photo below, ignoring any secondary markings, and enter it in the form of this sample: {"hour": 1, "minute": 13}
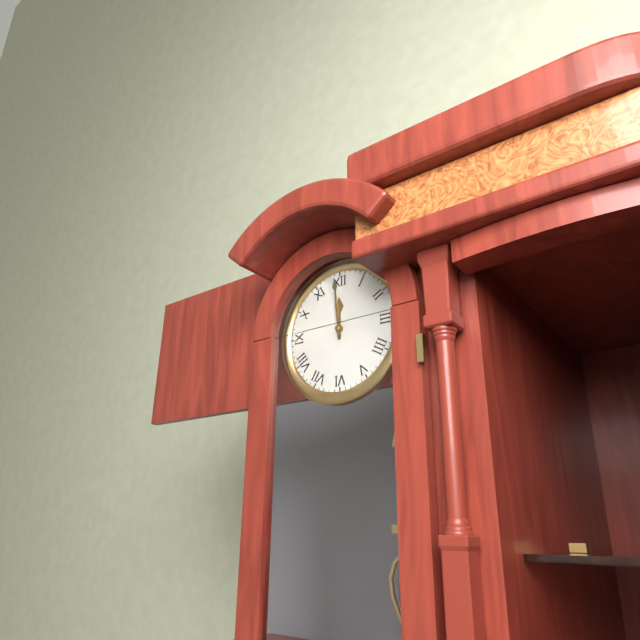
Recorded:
{"hour": 11, "minute": 59}
